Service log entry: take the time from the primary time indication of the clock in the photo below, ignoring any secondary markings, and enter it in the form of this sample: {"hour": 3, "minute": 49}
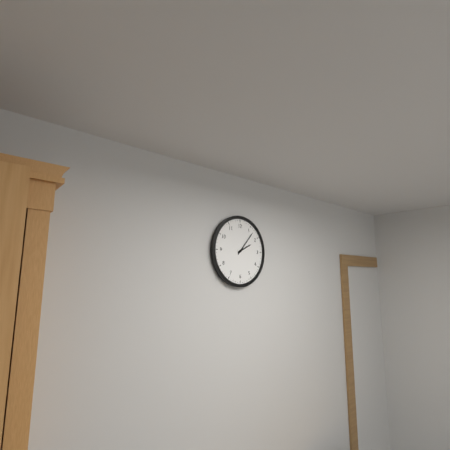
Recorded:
{"hour": 2, "minute": 7}
